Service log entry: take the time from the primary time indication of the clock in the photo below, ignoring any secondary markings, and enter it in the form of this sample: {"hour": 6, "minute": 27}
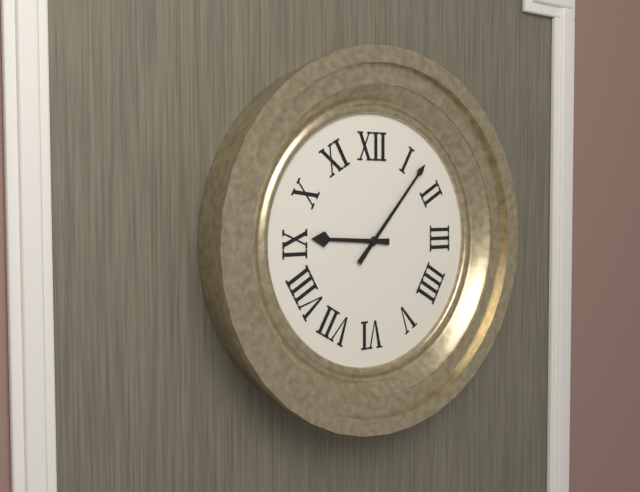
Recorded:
{"hour": 9, "minute": 7}
